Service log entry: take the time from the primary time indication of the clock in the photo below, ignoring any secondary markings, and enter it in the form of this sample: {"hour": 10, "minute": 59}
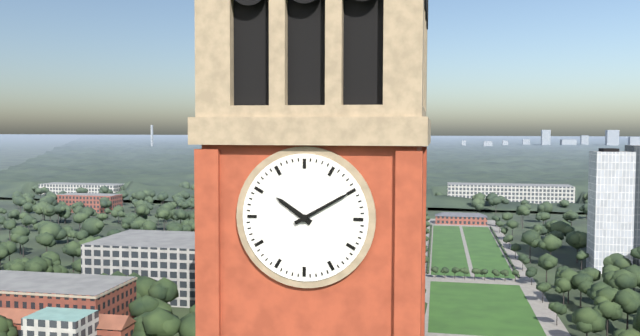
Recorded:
{"hour": 10, "minute": 10}
